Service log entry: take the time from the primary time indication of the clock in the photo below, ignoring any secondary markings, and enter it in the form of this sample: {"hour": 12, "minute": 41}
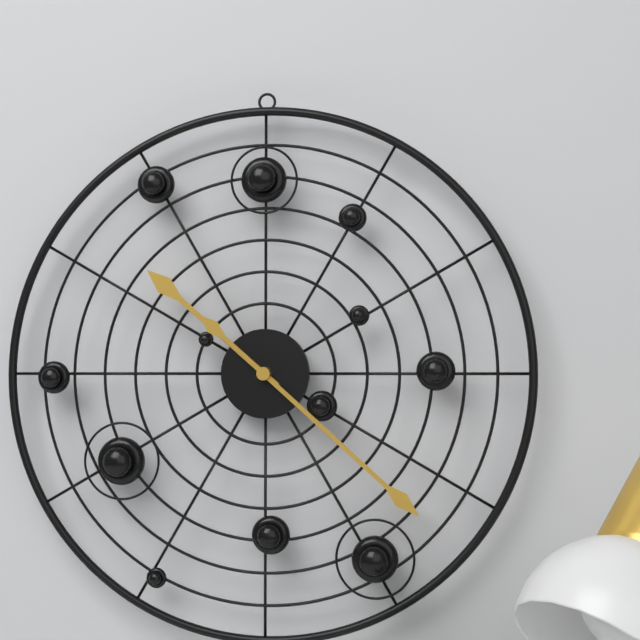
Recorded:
{"hour": 10, "minute": 22}
